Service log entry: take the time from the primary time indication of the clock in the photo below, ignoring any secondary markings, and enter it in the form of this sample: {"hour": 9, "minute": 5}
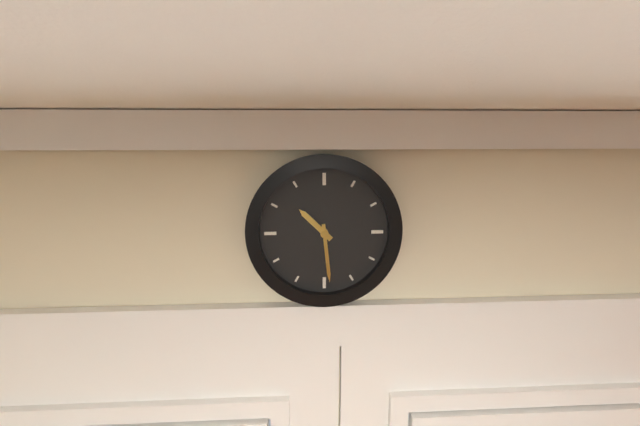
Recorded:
{"hour": 10, "minute": 29}
